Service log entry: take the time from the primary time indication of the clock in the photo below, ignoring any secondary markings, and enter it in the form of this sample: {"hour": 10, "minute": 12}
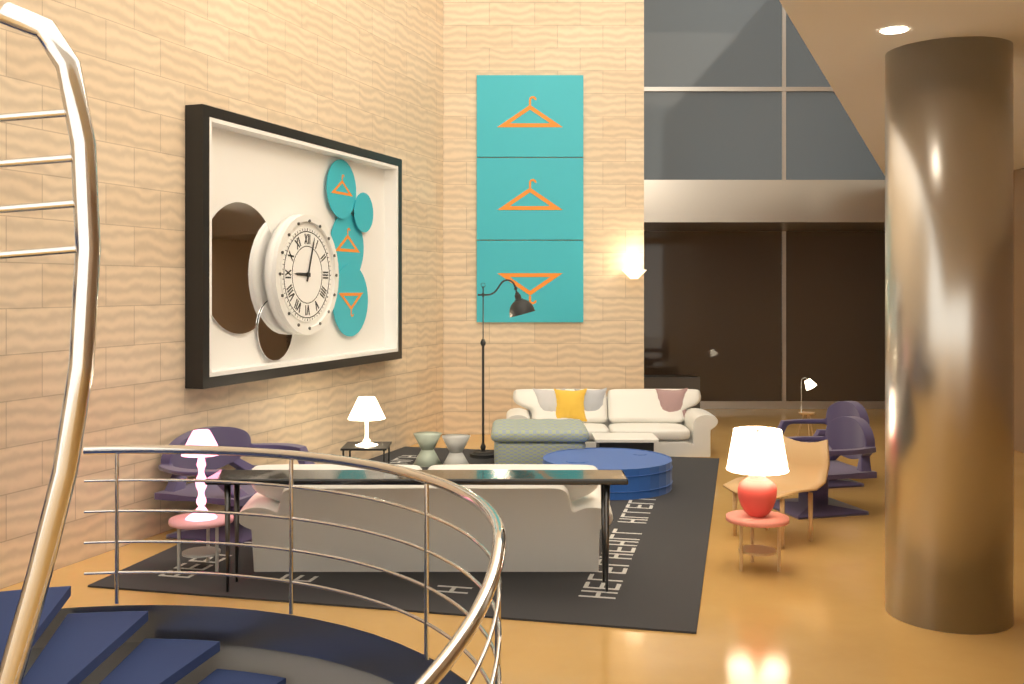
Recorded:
{"hour": 9, "minute": 3}
